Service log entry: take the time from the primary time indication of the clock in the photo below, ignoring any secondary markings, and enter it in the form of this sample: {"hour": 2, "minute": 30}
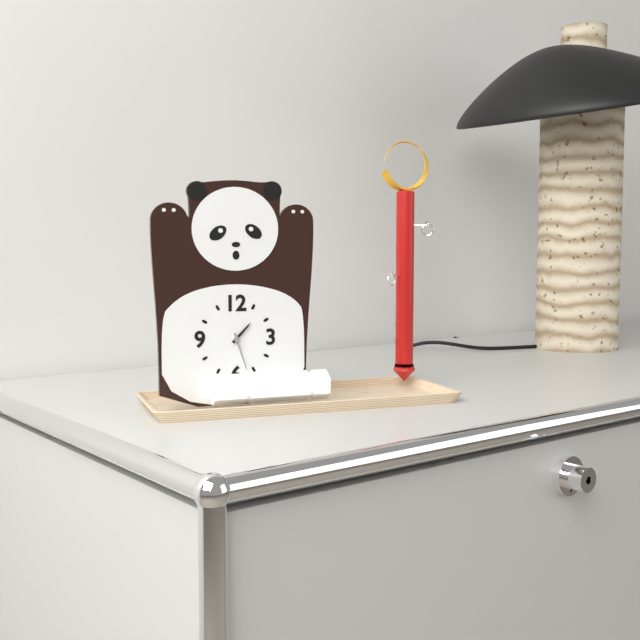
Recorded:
{"hour": 1, "minute": 27}
